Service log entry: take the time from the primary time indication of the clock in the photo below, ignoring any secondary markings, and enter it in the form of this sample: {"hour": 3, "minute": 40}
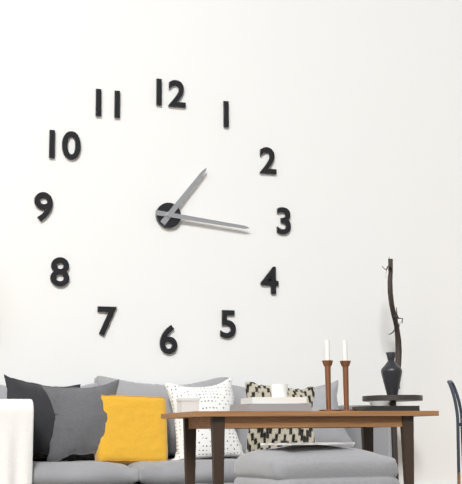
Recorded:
{"hour": 1, "minute": 16}
